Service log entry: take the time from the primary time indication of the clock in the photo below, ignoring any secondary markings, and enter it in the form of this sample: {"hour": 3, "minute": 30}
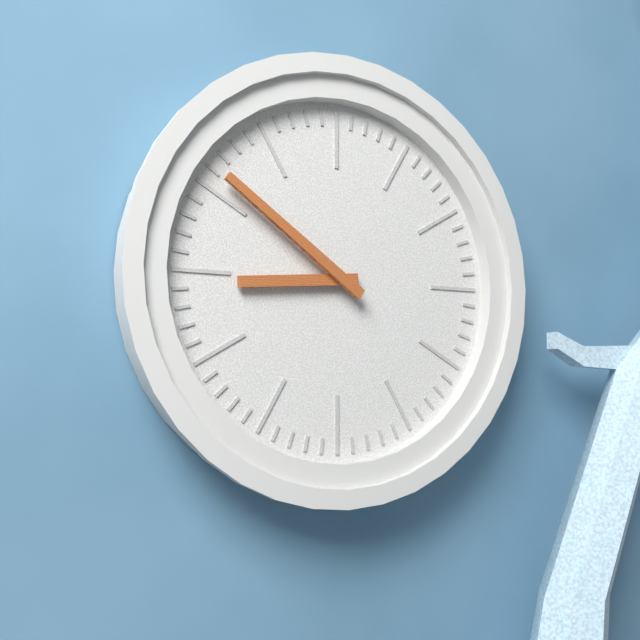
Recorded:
{"hour": 8, "minute": 51}
